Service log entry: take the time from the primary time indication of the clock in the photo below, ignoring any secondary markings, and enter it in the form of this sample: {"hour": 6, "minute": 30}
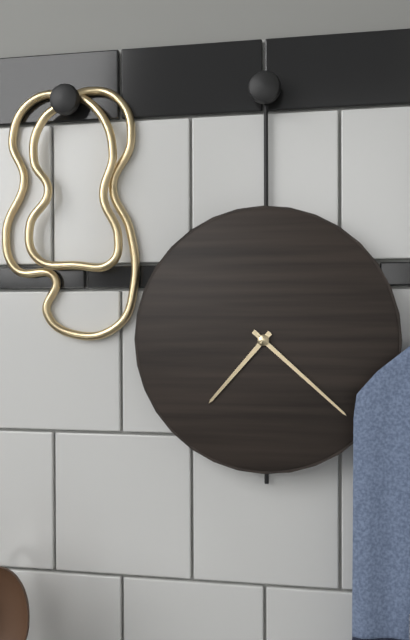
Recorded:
{"hour": 7, "minute": 22}
